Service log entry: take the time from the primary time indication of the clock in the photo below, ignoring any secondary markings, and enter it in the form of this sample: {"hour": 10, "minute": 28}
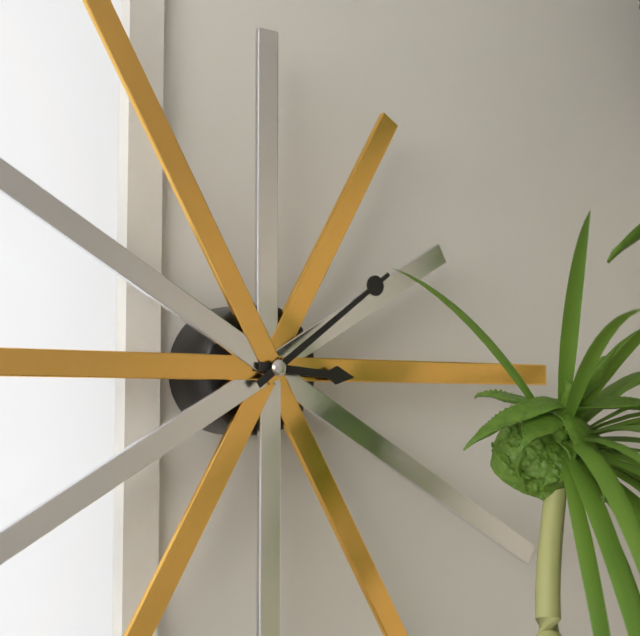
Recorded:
{"hour": 3, "minute": 9}
